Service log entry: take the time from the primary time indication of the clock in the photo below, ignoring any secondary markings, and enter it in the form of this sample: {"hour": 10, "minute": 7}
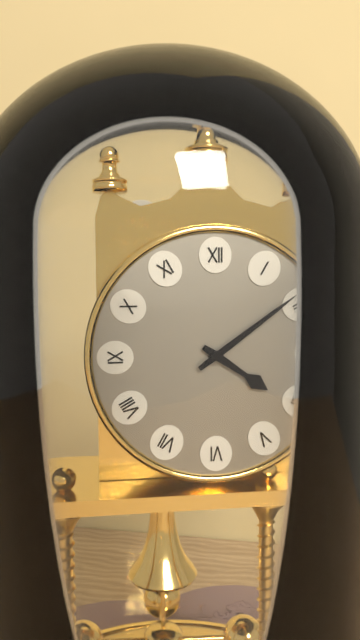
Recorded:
{"hour": 4, "minute": 9}
